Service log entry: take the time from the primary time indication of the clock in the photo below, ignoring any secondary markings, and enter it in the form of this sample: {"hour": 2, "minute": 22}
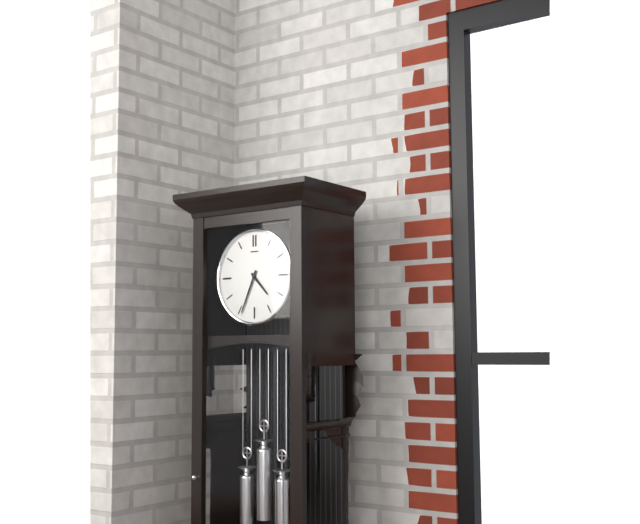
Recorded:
{"hour": 4, "minute": 34}
